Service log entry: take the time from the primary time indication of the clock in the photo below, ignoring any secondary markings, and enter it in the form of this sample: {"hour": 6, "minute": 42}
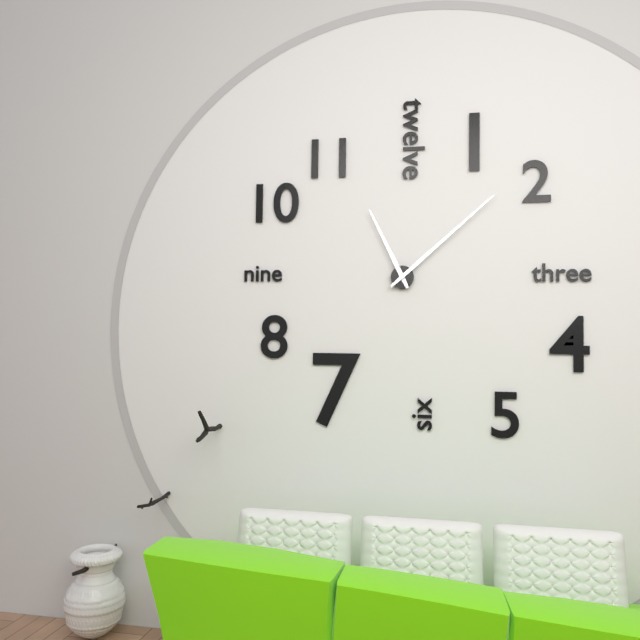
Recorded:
{"hour": 11, "minute": 8}
